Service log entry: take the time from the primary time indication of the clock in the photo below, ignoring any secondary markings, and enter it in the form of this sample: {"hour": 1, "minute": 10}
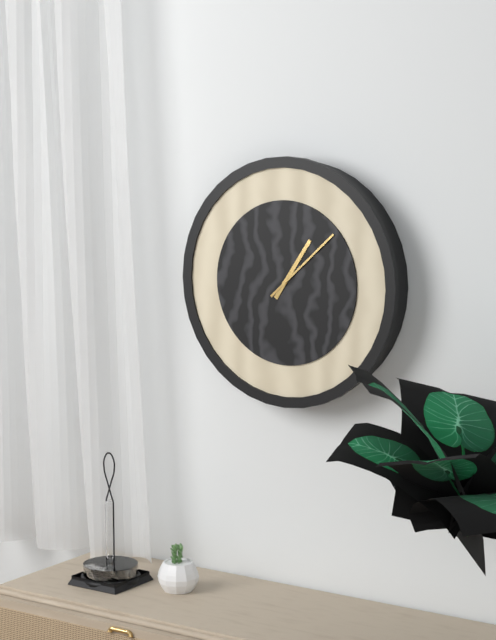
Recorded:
{"hour": 1, "minute": 8}
